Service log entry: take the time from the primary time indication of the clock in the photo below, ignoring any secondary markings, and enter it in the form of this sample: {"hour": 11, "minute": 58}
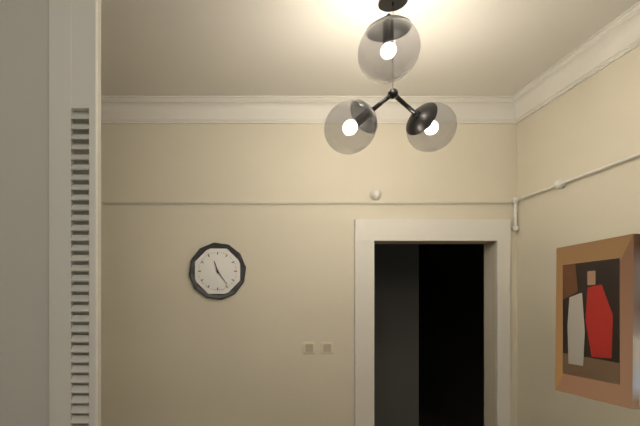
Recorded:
{"hour": 11, "minute": 24}
